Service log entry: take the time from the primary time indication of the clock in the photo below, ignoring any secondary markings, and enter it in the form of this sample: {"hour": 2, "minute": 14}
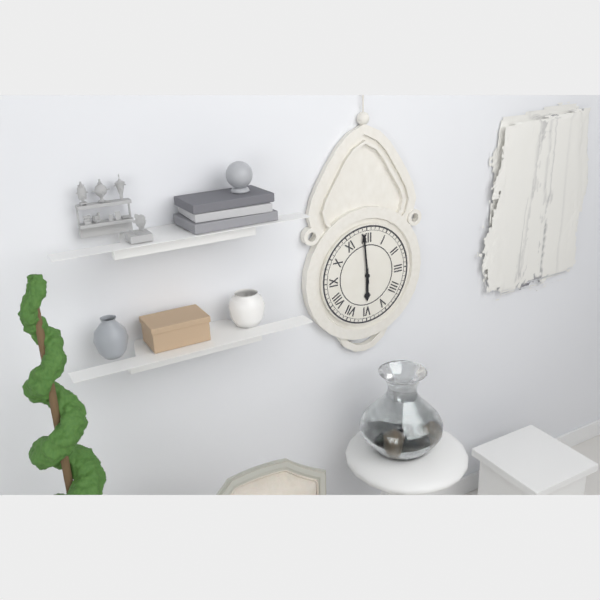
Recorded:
{"hour": 5, "minute": 59}
